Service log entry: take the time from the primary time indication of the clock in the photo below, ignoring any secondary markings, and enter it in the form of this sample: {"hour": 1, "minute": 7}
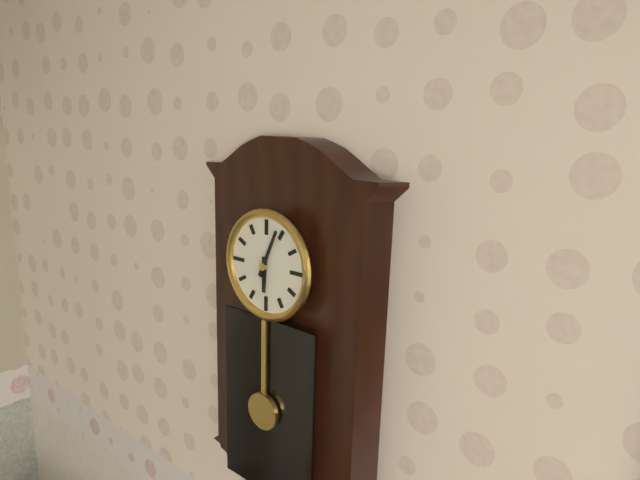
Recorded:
{"hour": 6, "minute": 4}
